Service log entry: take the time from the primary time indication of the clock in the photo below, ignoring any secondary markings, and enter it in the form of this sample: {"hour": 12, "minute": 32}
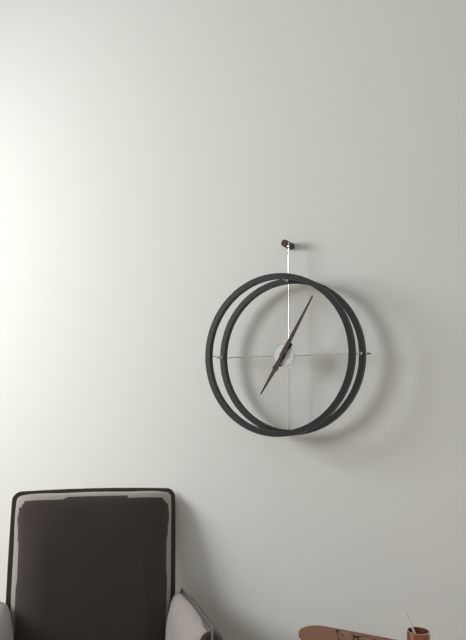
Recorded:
{"hour": 7, "minute": 5}
